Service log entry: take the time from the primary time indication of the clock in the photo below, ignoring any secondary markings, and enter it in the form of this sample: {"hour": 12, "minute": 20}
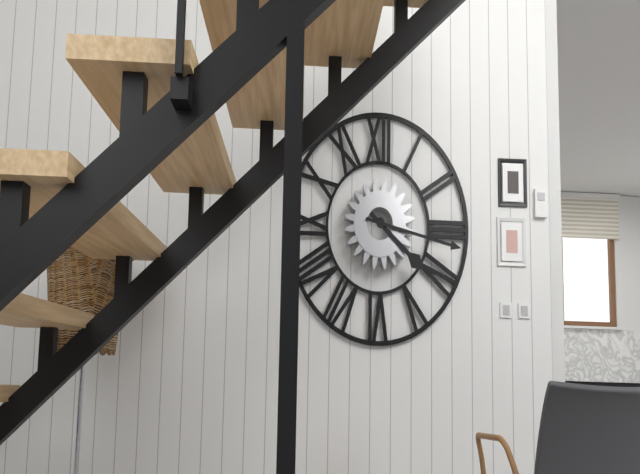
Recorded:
{"hour": 4, "minute": 17}
